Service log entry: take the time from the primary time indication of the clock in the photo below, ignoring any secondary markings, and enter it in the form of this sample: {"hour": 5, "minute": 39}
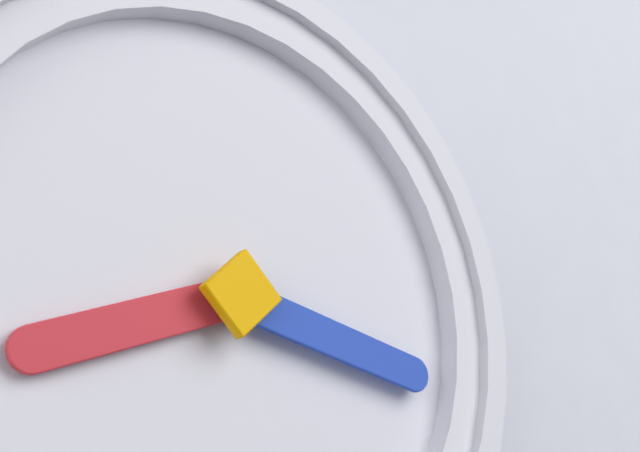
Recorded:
{"hour": 8, "minute": 17}
